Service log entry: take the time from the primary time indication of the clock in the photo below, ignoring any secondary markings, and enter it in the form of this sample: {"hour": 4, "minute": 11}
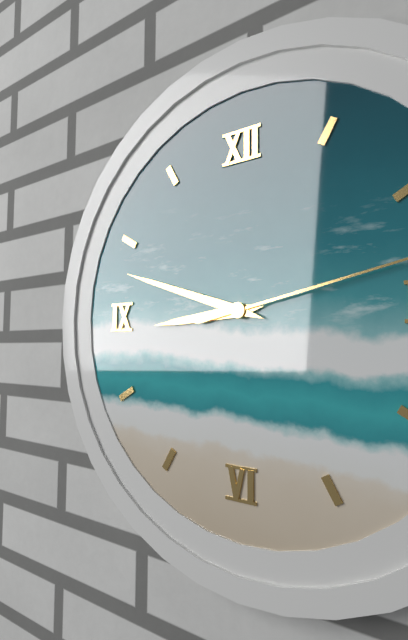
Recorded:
{"hour": 8, "minute": 48}
